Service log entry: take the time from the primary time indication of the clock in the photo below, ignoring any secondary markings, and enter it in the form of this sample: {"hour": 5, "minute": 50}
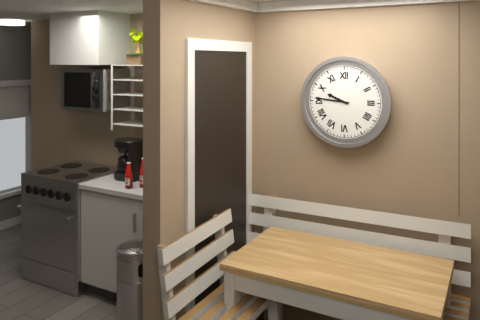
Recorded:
{"hour": 9, "minute": 46}
